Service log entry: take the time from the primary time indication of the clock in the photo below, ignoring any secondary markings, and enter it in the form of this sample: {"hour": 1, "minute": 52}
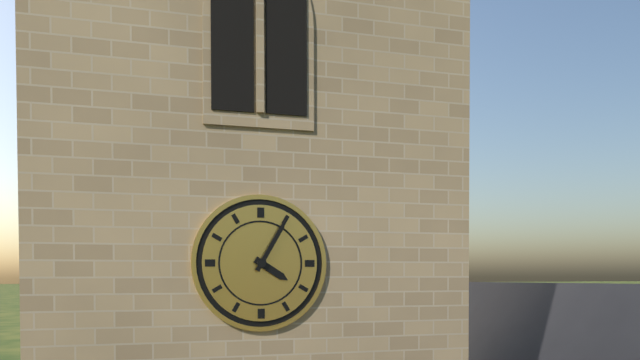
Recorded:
{"hour": 4, "minute": 5}
